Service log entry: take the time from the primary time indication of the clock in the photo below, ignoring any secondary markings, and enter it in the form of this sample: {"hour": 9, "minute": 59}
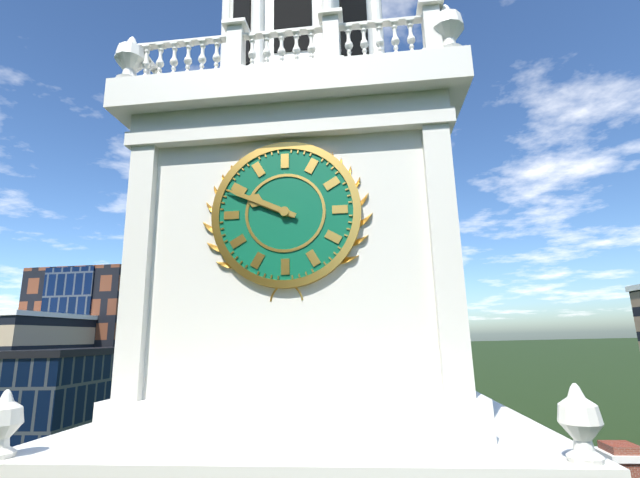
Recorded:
{"hour": 9, "minute": 49}
